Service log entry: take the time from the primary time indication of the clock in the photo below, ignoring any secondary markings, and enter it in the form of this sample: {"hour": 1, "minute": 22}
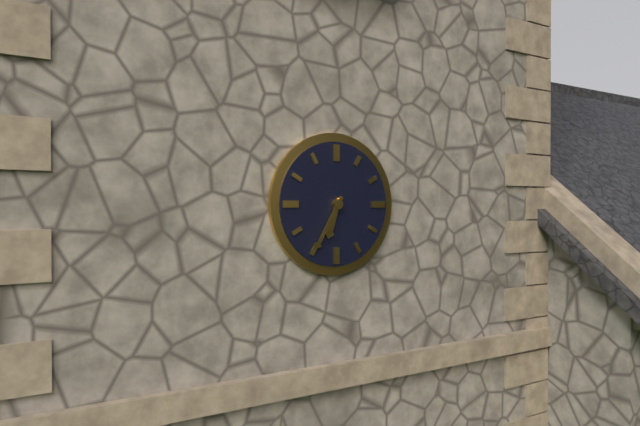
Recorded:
{"hour": 6, "minute": 35}
